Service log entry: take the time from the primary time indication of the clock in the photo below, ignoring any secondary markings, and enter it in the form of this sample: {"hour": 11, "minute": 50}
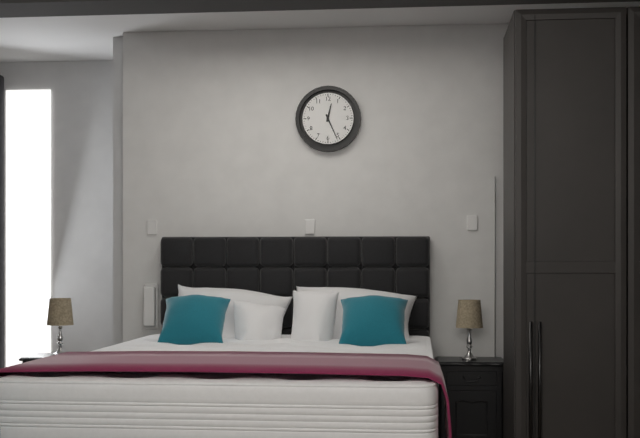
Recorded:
{"hour": 12, "minute": 26}
